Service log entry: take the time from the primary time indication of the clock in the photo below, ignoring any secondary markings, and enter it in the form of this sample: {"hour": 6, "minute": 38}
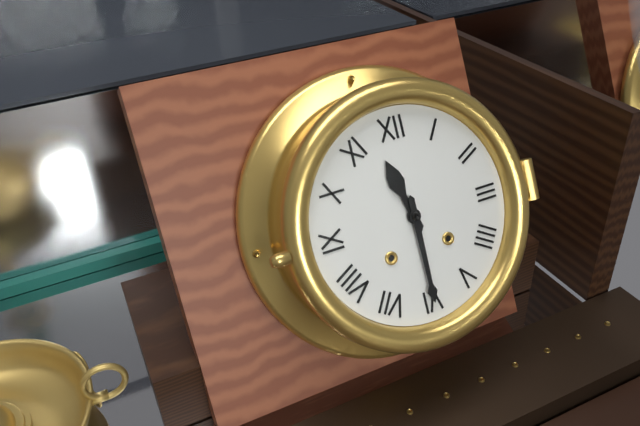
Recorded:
{"hour": 11, "minute": 30}
